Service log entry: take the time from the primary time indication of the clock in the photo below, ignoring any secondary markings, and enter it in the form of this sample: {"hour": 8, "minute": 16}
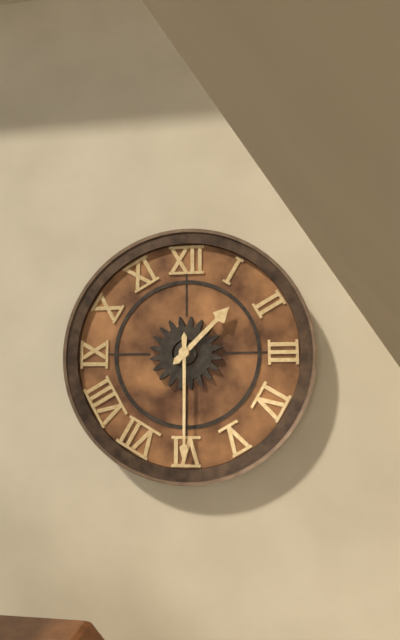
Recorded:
{"hour": 1, "minute": 30}
